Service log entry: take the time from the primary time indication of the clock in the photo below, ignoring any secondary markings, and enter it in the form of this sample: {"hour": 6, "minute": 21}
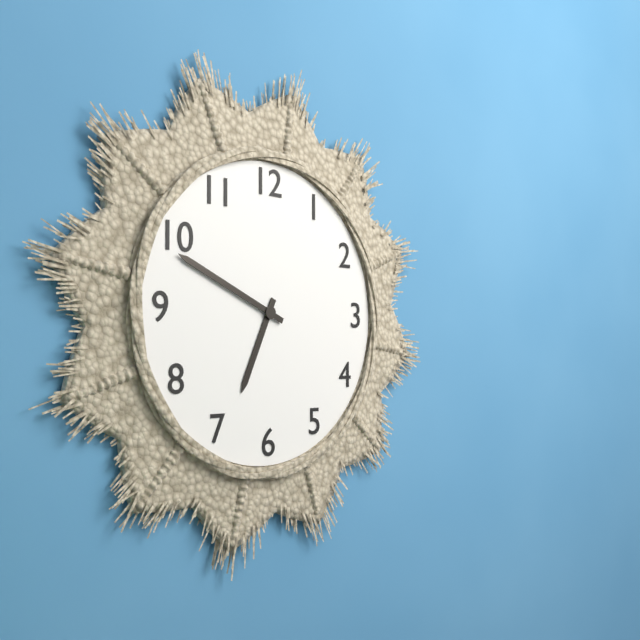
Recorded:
{"hour": 6, "minute": 49}
